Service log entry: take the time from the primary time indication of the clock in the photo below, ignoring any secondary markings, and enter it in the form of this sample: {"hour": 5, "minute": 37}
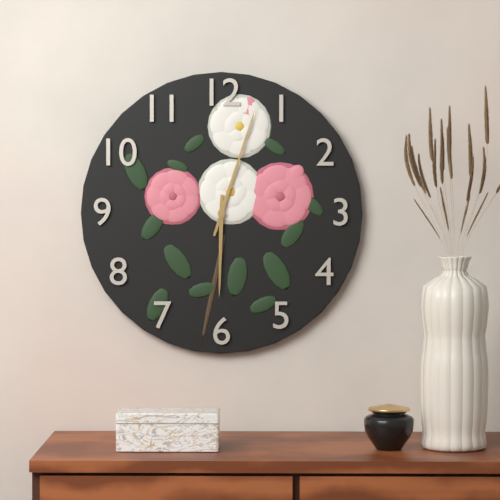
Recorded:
{"hour": 6, "minute": 3}
